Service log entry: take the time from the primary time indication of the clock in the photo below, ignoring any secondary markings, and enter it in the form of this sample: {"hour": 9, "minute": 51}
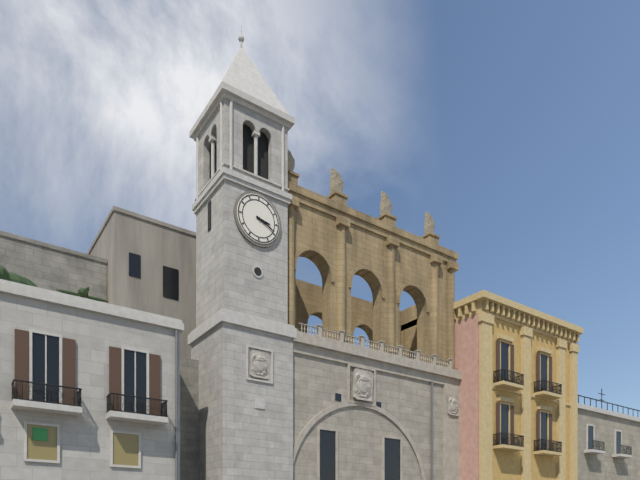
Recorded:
{"hour": 3, "minute": 19}
